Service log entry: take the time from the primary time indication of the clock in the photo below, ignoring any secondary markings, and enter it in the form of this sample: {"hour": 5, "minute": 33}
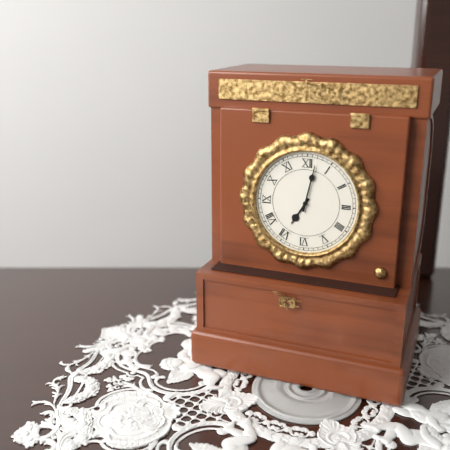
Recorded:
{"hour": 7, "minute": 2}
